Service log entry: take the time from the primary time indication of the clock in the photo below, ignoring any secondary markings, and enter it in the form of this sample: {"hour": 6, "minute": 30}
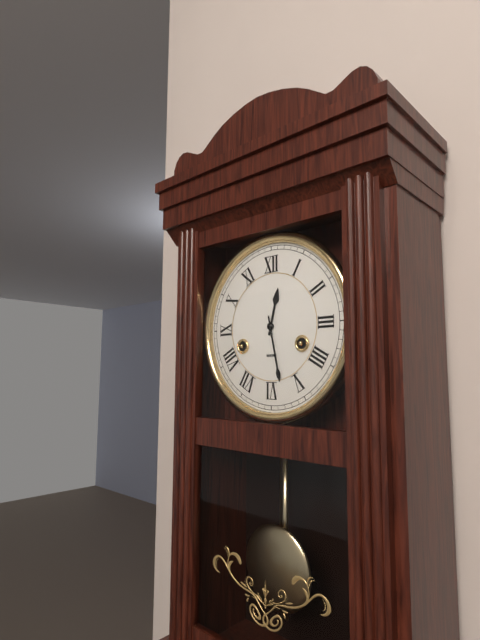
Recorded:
{"hour": 12, "minute": 28}
